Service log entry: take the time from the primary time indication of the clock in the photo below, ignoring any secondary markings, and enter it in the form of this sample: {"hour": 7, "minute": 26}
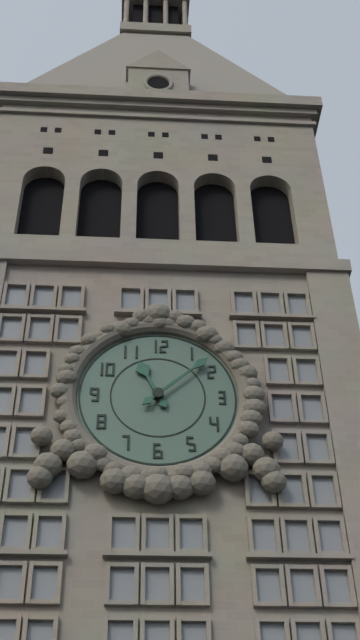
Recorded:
{"hour": 11, "minute": 8}
